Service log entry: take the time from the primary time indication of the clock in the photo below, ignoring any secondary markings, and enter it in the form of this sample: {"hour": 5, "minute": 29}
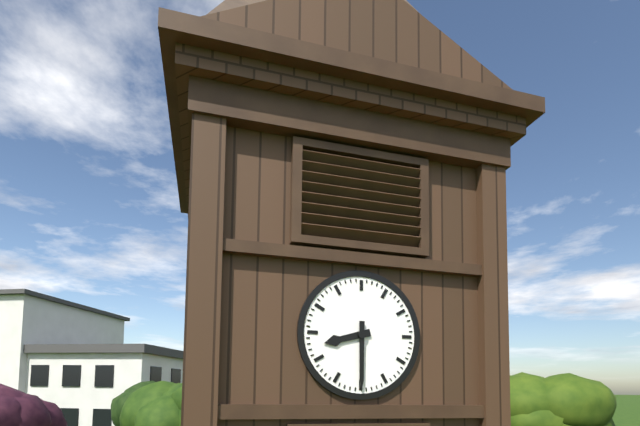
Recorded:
{"hour": 8, "minute": 30}
